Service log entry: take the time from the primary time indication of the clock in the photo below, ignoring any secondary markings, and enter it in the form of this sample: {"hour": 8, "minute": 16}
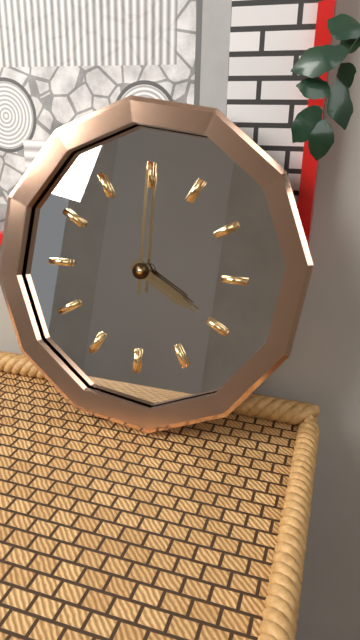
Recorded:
{"hour": 4, "minute": 0}
